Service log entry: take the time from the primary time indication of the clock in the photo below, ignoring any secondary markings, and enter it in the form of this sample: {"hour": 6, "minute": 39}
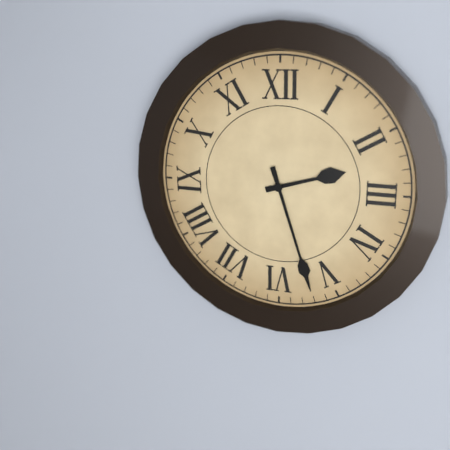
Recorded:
{"hour": 2, "minute": 27}
